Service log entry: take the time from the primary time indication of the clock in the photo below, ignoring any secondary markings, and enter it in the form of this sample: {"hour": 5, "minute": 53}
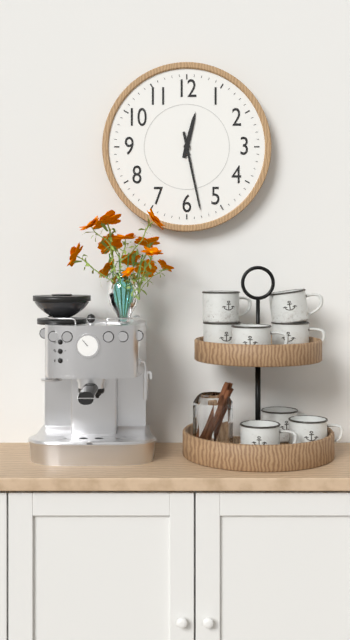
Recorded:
{"hour": 12, "minute": 28}
